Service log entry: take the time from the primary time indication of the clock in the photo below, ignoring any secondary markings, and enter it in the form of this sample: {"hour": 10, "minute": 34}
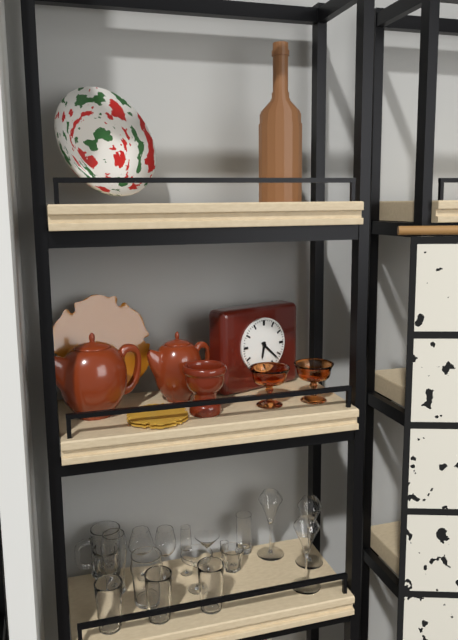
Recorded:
{"hour": 6, "minute": 22}
